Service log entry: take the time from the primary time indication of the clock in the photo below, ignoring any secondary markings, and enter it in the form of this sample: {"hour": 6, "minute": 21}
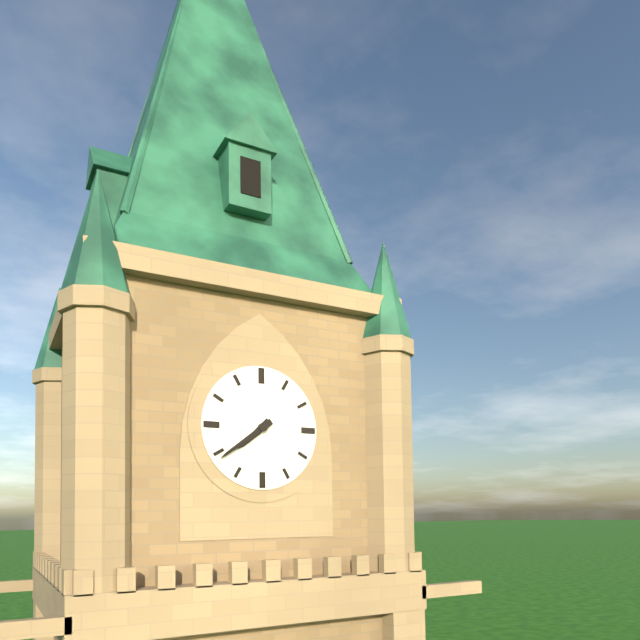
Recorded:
{"hour": 7, "minute": 39}
